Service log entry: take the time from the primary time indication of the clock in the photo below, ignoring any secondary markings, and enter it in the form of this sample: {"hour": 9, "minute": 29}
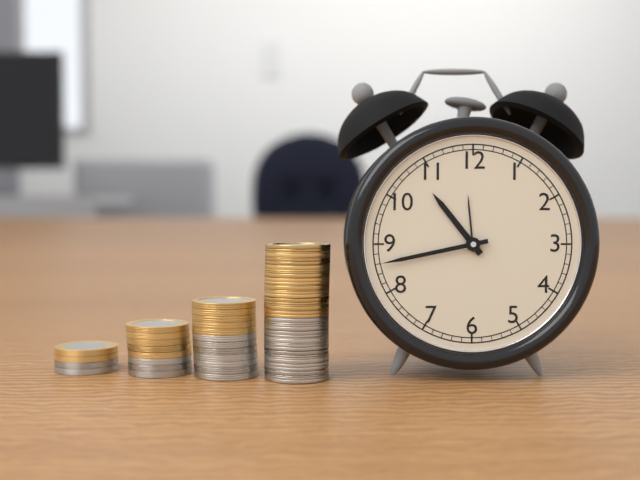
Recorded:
{"hour": 10, "minute": 43}
